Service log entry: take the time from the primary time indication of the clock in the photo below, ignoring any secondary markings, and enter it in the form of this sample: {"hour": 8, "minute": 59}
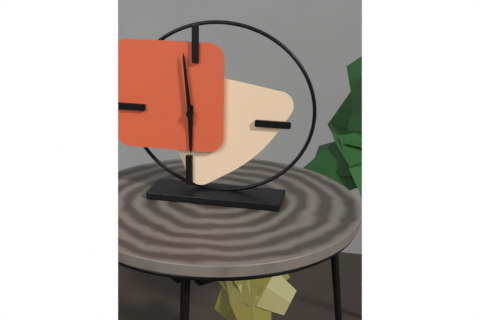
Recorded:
{"hour": 5, "minute": 59}
